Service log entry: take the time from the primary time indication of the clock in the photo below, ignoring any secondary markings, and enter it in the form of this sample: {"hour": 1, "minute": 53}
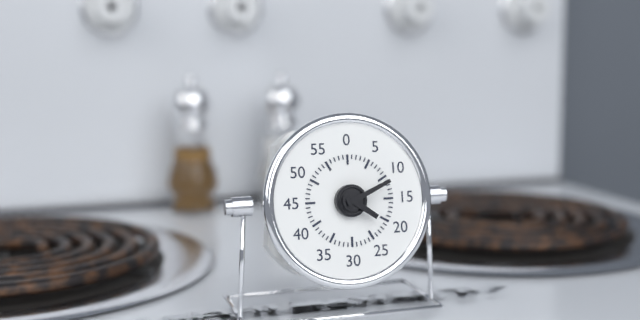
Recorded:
{"hour": 4, "minute": 11}
